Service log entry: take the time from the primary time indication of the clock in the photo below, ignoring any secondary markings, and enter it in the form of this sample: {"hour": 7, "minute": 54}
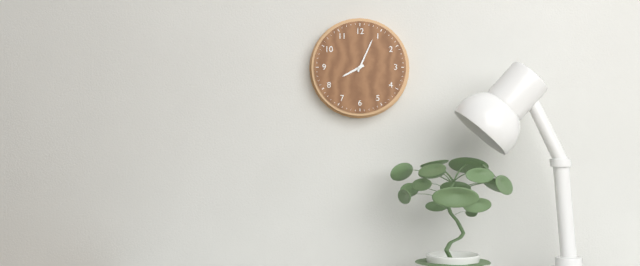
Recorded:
{"hour": 8, "minute": 4}
